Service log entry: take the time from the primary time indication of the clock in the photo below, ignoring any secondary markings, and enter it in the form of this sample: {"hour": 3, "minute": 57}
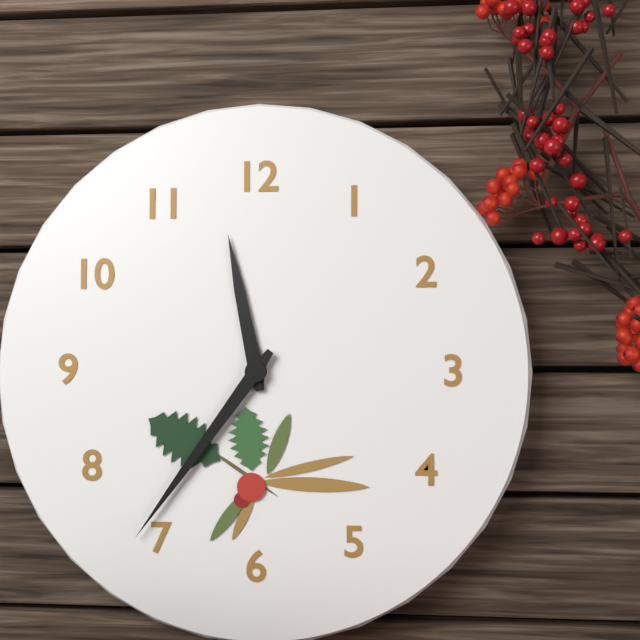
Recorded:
{"hour": 11, "minute": 36}
